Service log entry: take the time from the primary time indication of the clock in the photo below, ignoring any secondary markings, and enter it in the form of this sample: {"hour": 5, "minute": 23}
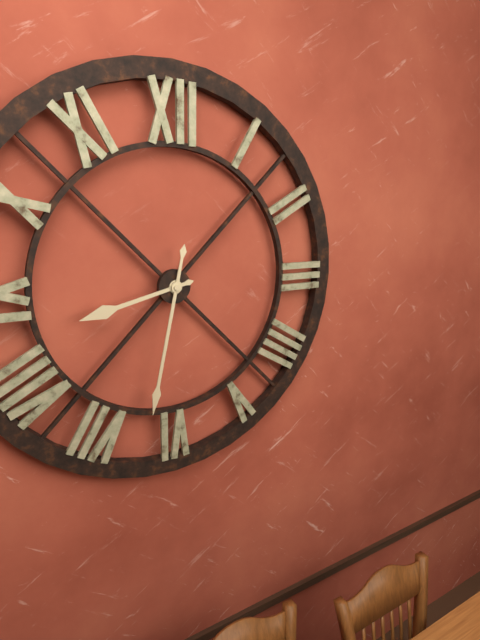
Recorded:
{"hour": 8, "minute": 32}
